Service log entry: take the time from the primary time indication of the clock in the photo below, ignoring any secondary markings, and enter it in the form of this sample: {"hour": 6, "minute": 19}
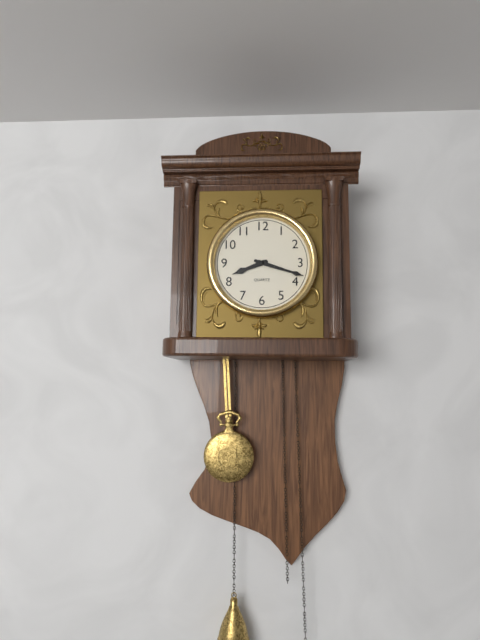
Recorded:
{"hour": 8, "minute": 18}
